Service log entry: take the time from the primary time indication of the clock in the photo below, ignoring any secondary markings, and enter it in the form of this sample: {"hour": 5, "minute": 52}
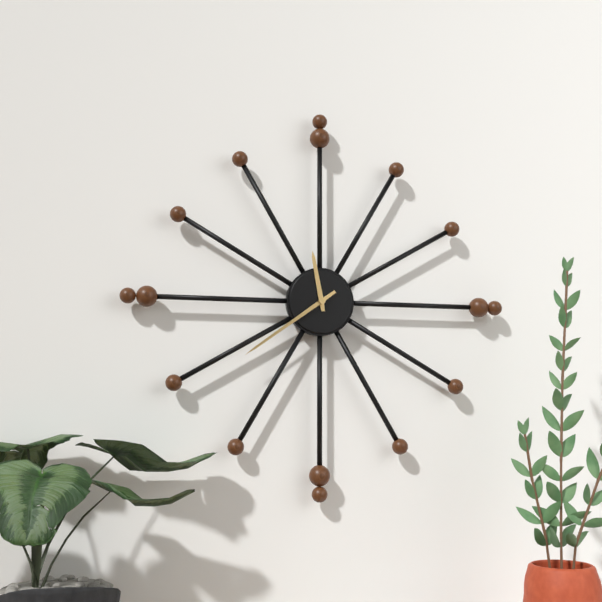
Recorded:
{"hour": 11, "minute": 39}
